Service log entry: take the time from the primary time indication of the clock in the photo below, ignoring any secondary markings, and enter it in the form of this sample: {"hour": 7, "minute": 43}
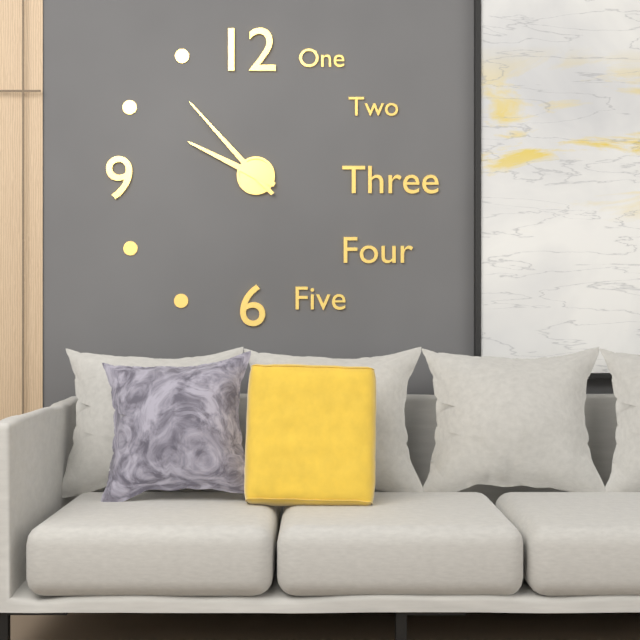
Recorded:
{"hour": 9, "minute": 53}
